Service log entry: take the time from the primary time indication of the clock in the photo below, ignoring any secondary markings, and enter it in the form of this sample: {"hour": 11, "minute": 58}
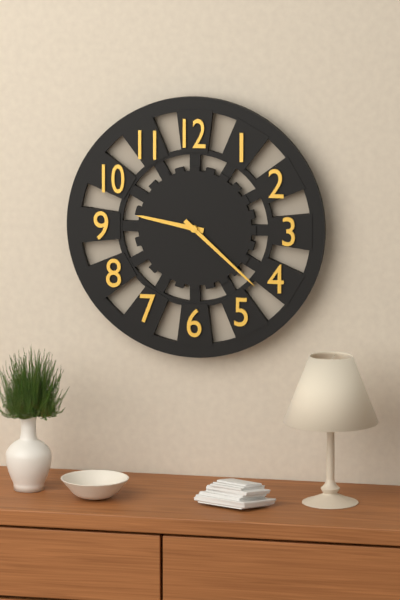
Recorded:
{"hour": 9, "minute": 22}
